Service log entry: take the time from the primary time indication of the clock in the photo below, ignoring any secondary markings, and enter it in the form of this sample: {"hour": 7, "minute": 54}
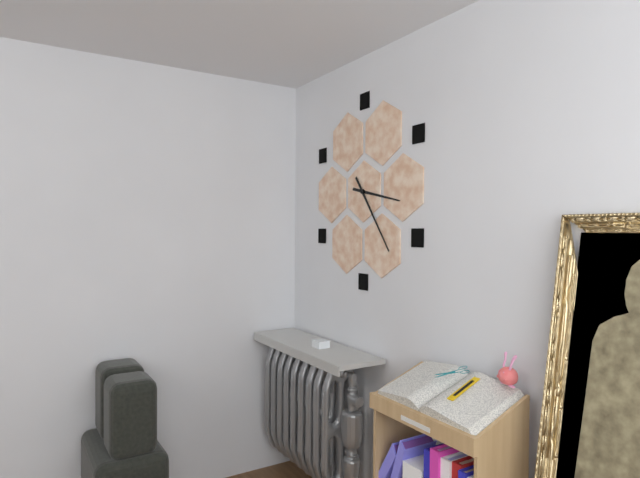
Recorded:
{"hour": 3, "minute": 24}
